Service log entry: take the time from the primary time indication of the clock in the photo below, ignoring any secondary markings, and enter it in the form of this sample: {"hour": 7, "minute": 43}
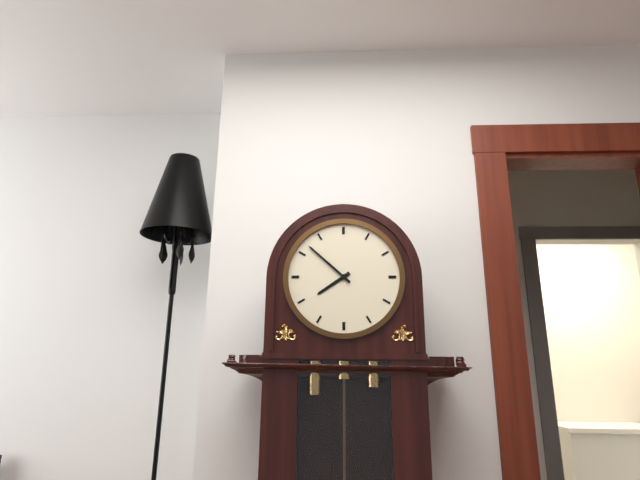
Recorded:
{"hour": 7, "minute": 52}
